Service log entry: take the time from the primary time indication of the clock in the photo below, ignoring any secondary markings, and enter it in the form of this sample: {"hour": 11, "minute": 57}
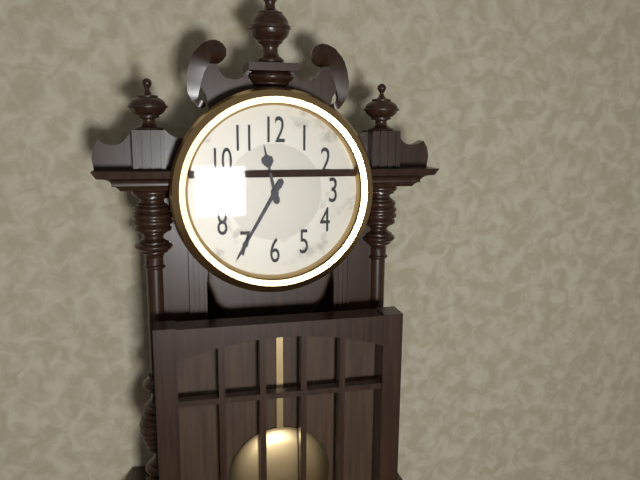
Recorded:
{"hour": 11, "minute": 35}
